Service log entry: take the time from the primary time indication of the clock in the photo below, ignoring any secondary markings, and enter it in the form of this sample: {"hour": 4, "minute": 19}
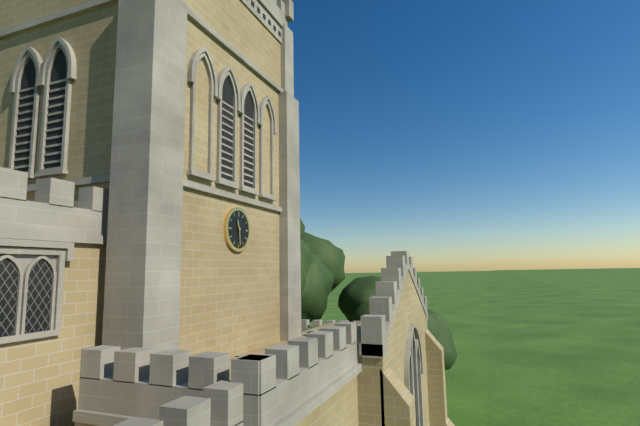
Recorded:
{"hour": 11, "minute": 29}
